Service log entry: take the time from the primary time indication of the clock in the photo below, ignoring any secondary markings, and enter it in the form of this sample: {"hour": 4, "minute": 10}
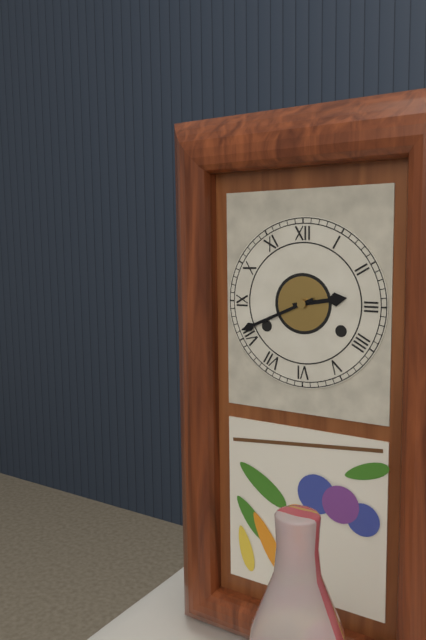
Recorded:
{"hour": 2, "minute": 41}
